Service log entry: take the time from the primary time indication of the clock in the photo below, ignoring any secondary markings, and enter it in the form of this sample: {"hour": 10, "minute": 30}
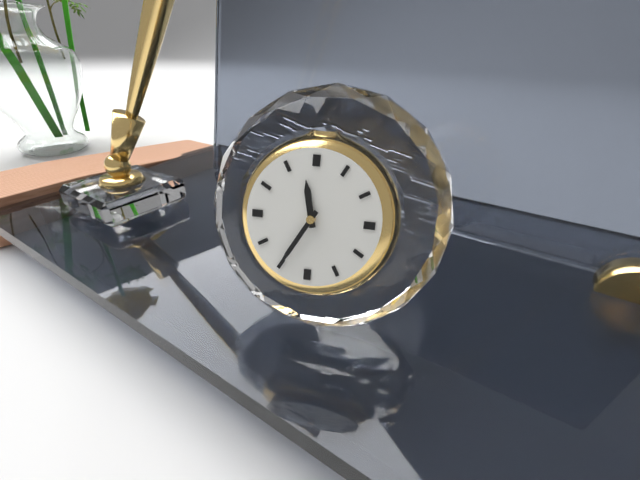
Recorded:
{"hour": 11, "minute": 35}
